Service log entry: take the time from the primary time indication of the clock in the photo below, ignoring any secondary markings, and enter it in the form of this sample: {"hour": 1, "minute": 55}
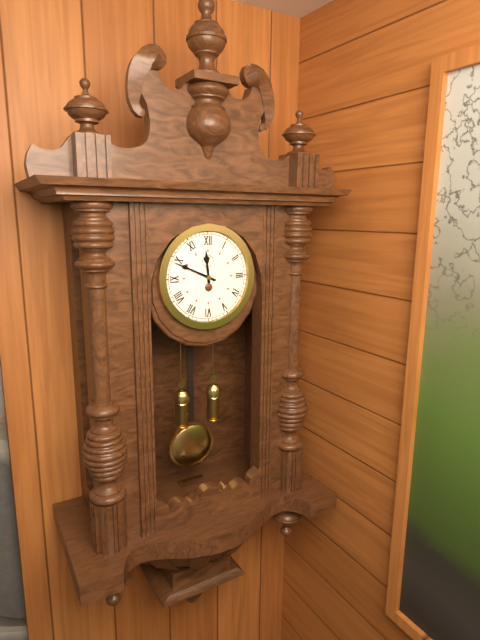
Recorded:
{"hour": 11, "minute": 49}
